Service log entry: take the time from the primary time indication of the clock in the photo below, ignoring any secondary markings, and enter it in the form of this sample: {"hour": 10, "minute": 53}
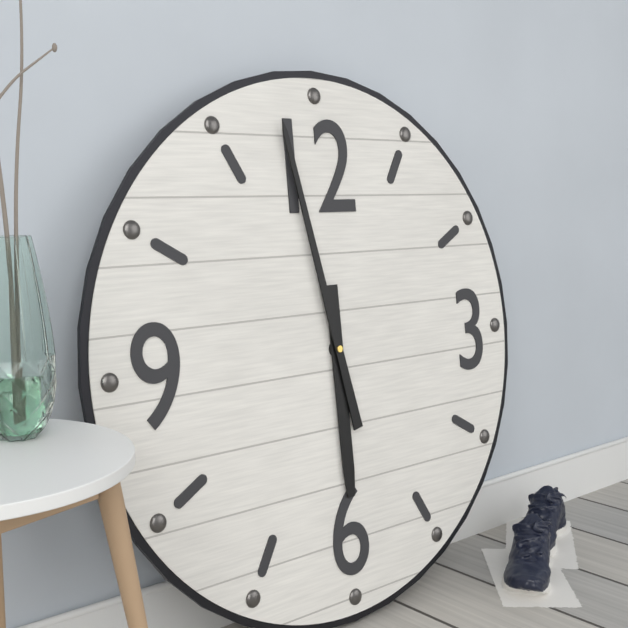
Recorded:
{"hour": 5, "minute": 58}
